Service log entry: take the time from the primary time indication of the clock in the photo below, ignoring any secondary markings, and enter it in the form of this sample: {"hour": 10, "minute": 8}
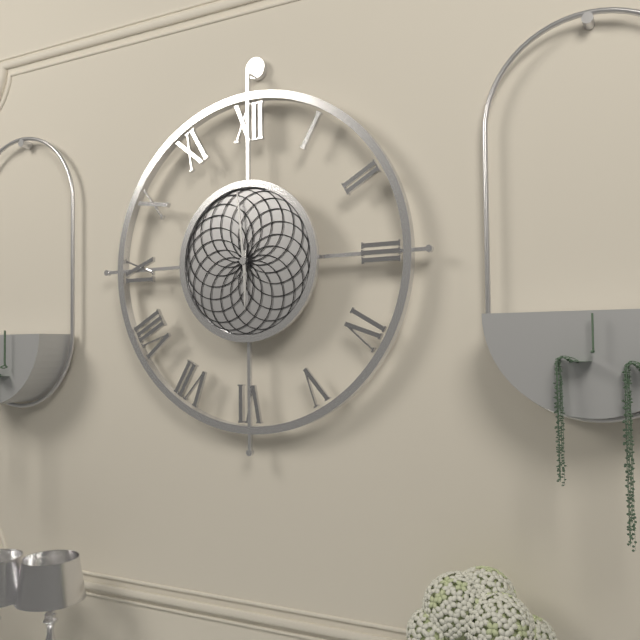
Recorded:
{"hour": 5, "minute": 59}
